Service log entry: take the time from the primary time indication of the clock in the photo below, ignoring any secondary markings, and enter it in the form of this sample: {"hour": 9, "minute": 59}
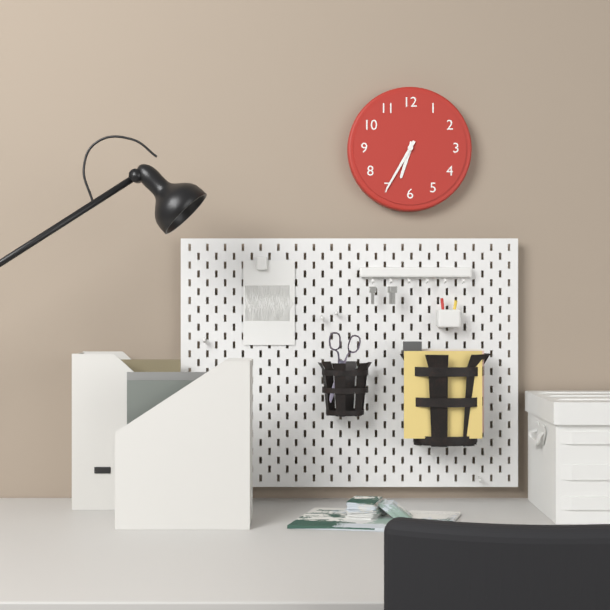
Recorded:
{"hour": 6, "minute": 35}
